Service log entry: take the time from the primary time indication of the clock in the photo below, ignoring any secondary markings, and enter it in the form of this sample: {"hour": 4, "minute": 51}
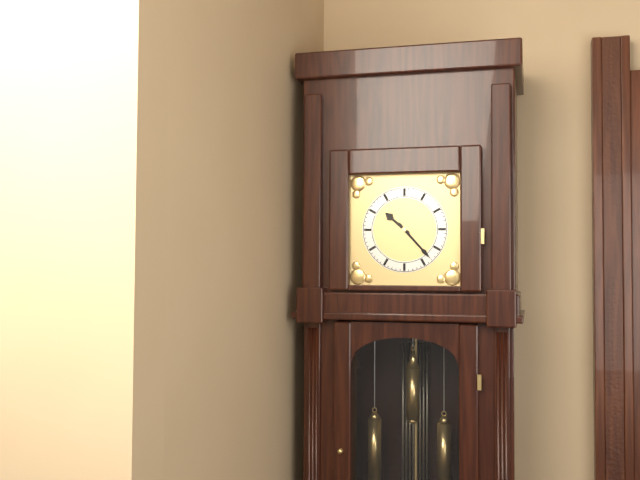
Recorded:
{"hour": 10, "minute": 23}
